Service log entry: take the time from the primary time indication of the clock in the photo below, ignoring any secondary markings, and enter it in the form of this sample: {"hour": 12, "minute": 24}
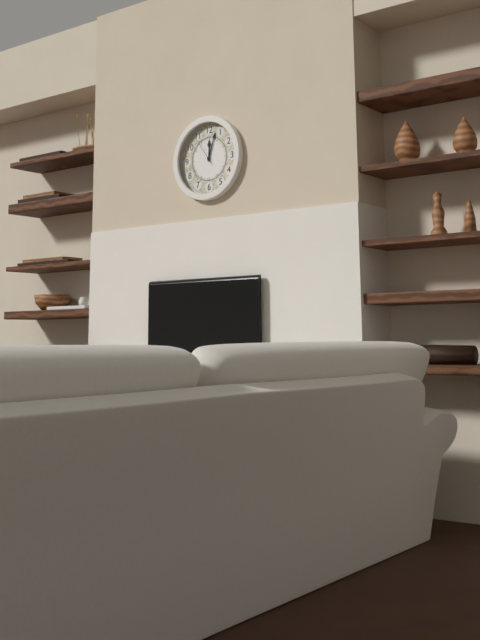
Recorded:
{"hour": 12, "minute": 3}
